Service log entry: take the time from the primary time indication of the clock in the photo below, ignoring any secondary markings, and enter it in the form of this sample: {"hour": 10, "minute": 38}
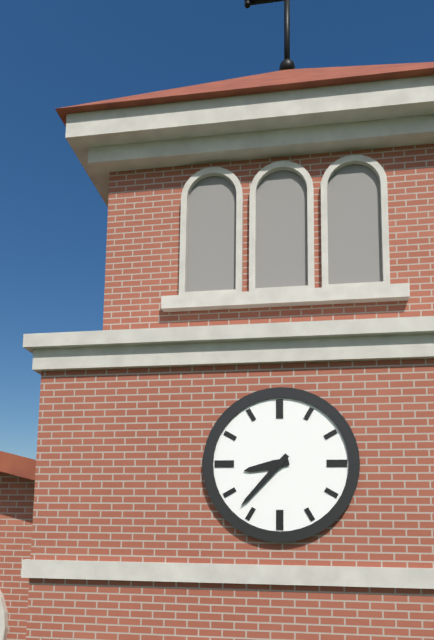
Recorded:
{"hour": 8, "minute": 37}
